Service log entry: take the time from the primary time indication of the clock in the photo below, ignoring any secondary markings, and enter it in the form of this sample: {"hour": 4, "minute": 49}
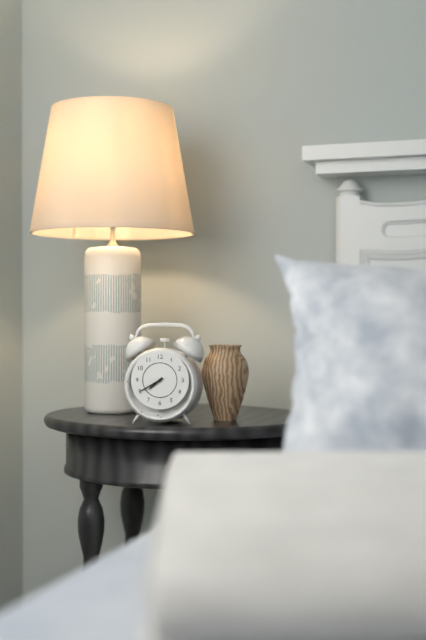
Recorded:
{"hour": 7, "minute": 40}
